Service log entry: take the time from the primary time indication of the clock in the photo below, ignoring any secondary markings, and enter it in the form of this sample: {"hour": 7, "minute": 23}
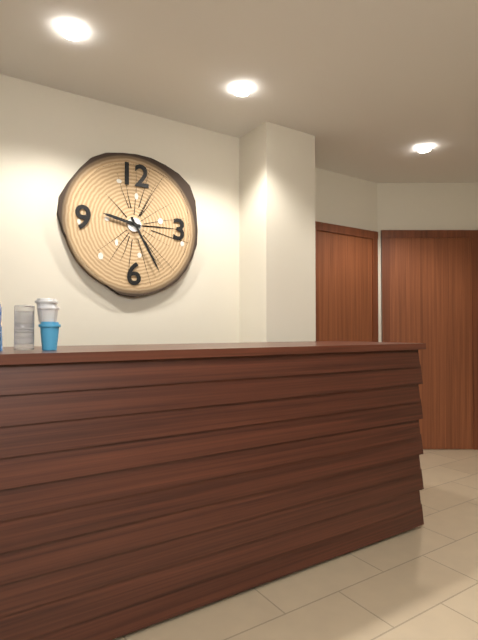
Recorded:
{"hour": 9, "minute": 25}
